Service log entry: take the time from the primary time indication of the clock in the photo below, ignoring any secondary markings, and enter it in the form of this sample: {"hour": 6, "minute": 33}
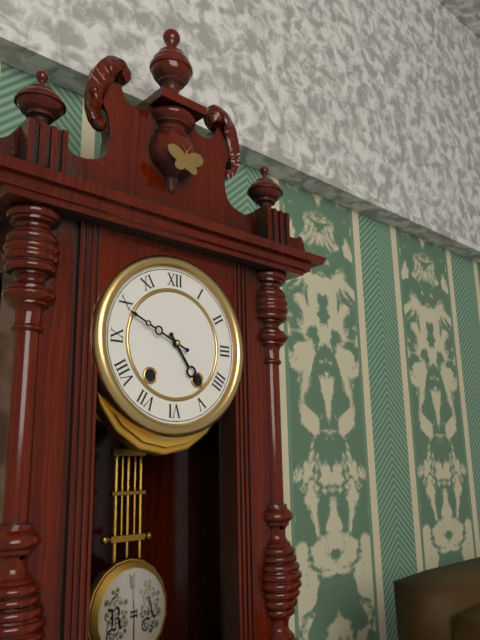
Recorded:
{"hour": 4, "minute": 49}
